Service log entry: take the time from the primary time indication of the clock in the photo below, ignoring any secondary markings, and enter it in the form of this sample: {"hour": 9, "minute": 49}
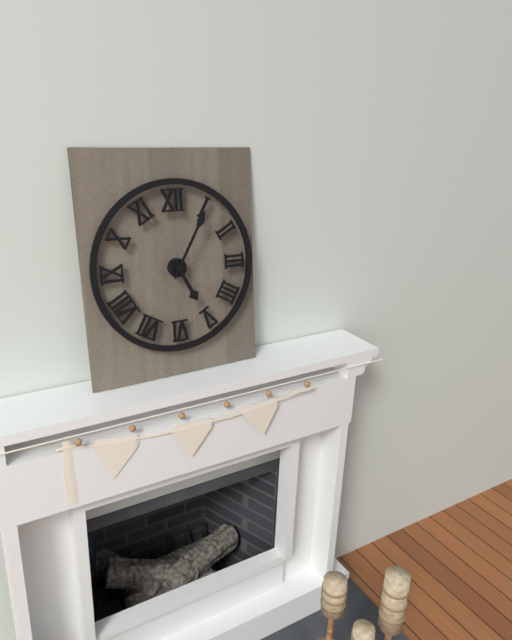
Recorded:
{"hour": 5, "minute": 5}
